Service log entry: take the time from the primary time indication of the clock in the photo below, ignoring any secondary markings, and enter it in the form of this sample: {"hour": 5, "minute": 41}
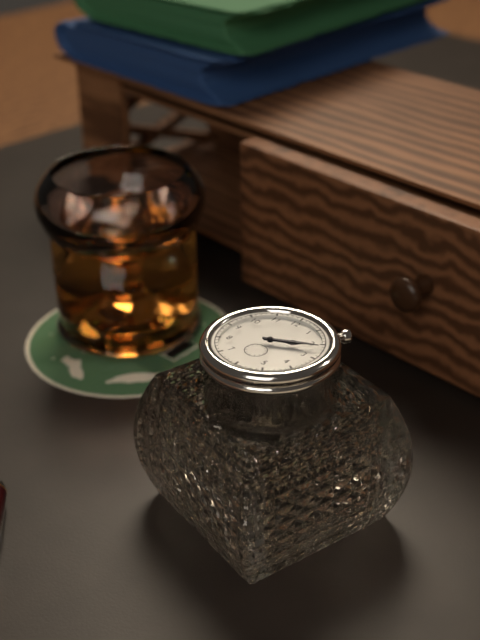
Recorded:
{"hour": 2, "minute": 11}
